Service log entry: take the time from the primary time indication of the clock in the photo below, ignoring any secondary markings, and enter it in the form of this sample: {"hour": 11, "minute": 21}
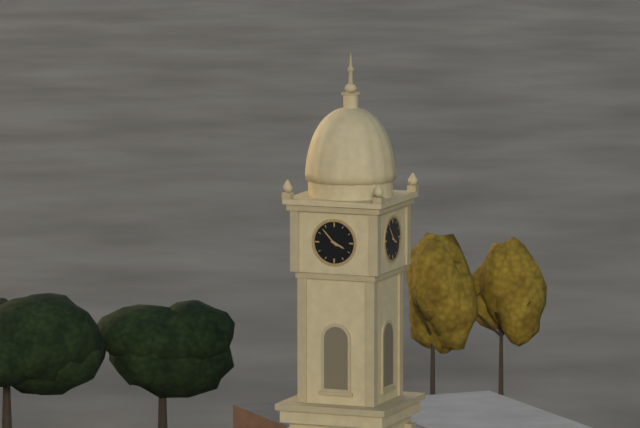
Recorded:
{"hour": 3, "minute": 53}
